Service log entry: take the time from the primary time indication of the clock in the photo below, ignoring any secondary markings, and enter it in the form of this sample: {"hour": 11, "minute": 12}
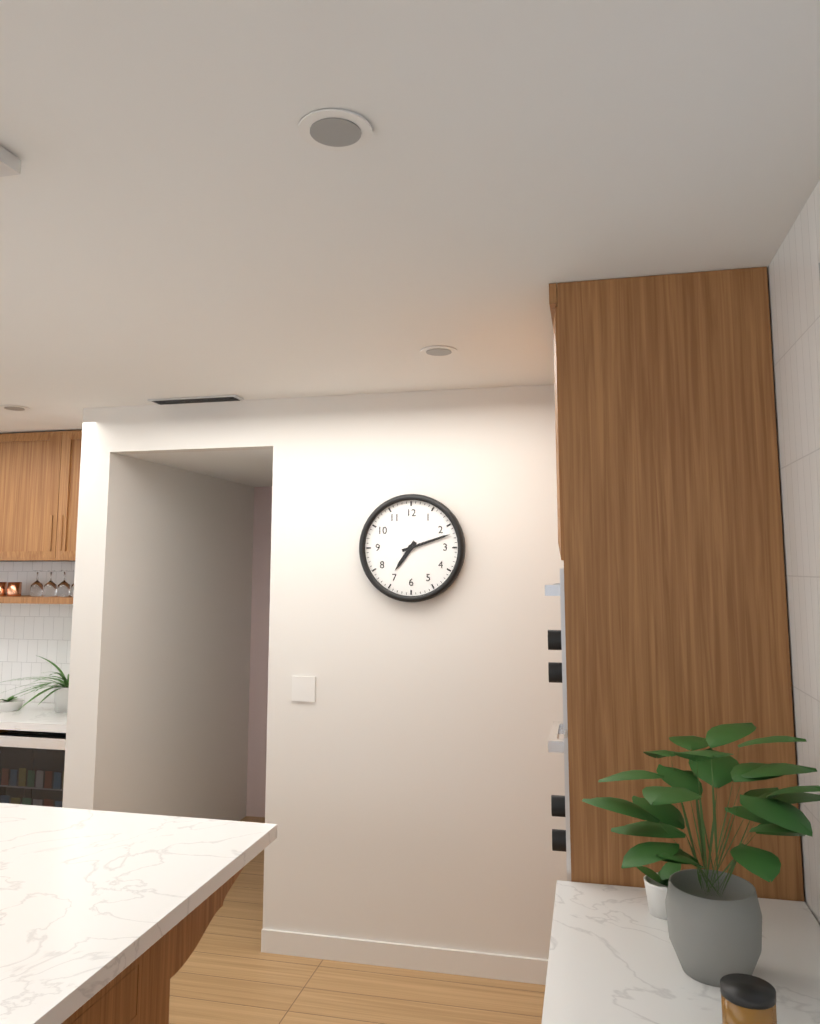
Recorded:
{"hour": 7, "minute": 12}
